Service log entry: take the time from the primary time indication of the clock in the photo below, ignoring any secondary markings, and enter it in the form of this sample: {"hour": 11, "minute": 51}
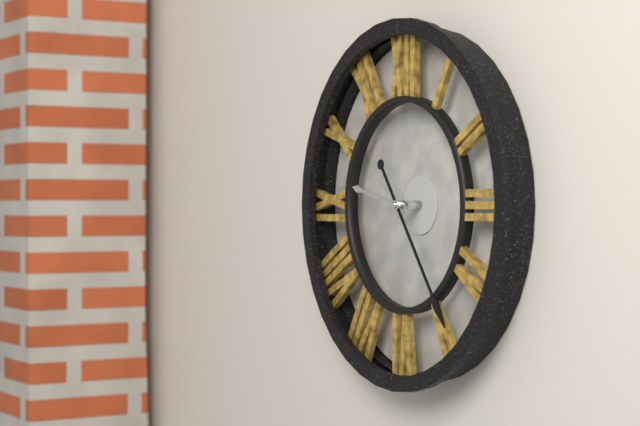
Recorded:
{"hour": 9, "minute": 24}
